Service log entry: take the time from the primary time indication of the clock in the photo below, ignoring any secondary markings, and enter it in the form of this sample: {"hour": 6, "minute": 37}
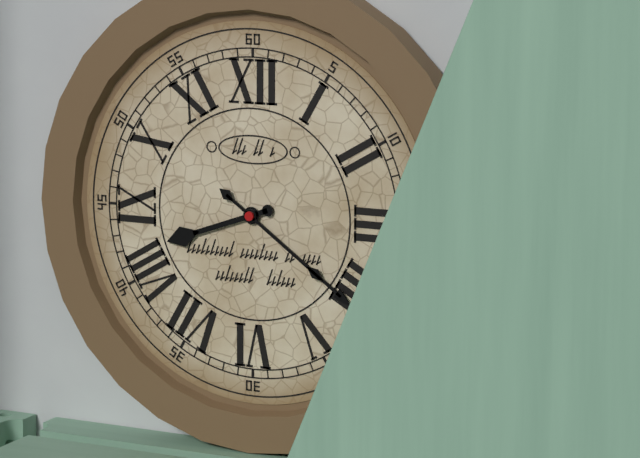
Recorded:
{"hour": 8, "minute": 21}
